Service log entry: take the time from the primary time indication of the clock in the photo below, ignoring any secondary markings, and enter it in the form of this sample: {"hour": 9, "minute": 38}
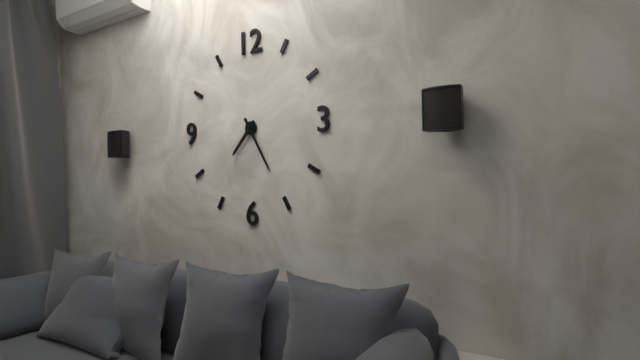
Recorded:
{"hour": 7, "minute": 25}
